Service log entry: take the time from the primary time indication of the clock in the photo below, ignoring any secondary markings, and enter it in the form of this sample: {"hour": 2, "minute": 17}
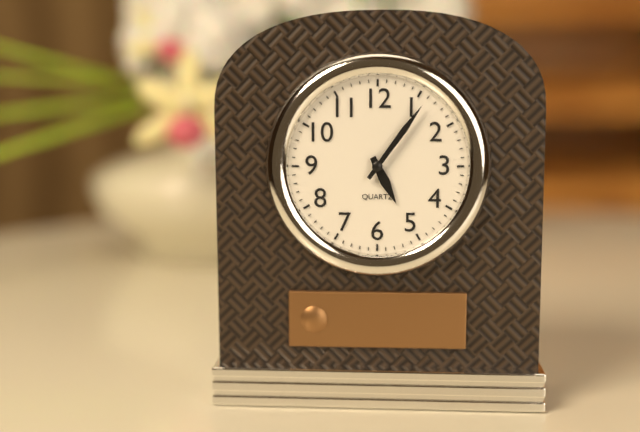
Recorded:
{"hour": 5, "minute": 6}
